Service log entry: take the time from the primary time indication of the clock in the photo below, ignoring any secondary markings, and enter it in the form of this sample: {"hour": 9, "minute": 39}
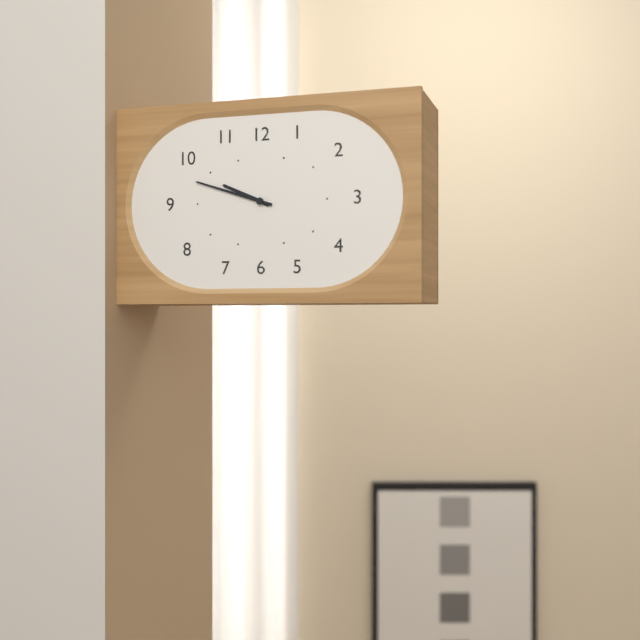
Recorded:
{"hour": 9, "minute": 48}
